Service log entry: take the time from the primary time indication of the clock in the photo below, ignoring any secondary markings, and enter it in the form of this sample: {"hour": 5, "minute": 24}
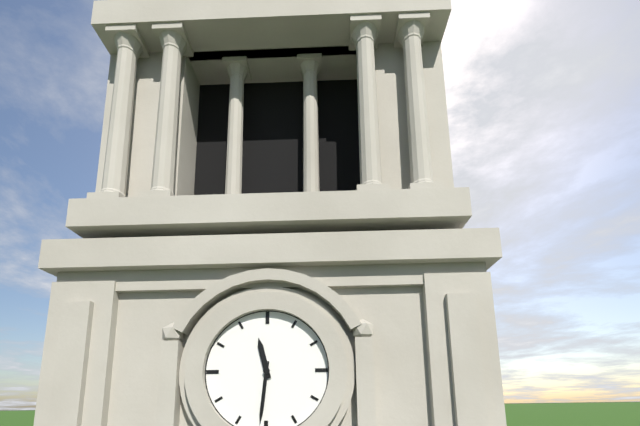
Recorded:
{"hour": 11, "minute": 31}
